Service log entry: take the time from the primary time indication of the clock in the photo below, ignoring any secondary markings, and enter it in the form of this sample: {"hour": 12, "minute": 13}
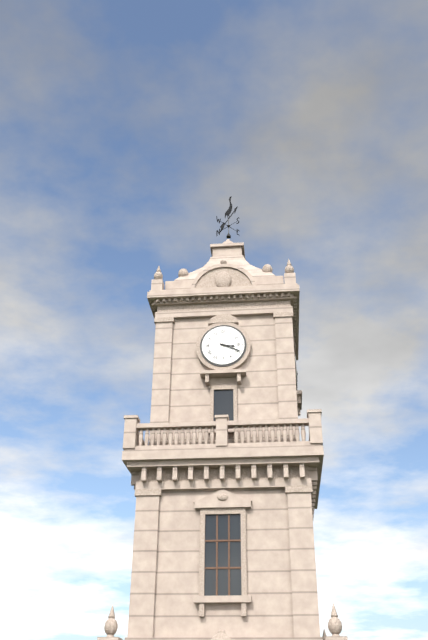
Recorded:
{"hour": 3, "minute": 19}
